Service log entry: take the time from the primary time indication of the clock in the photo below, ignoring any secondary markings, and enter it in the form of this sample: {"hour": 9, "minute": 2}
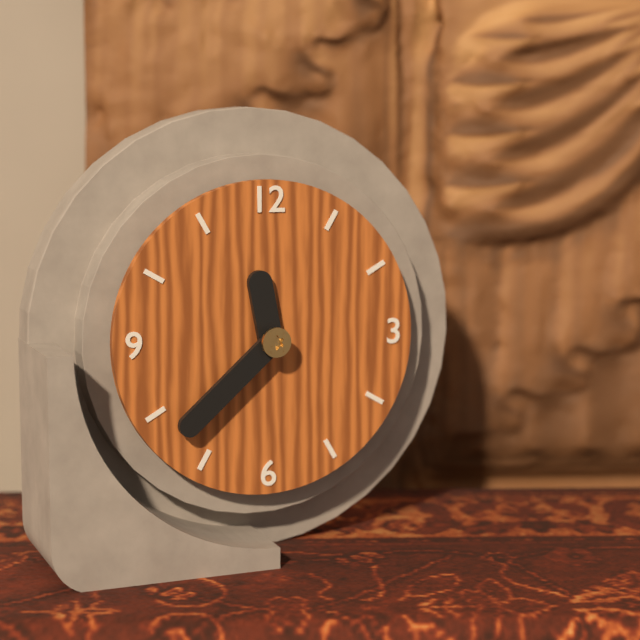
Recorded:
{"hour": 11, "minute": 38}
